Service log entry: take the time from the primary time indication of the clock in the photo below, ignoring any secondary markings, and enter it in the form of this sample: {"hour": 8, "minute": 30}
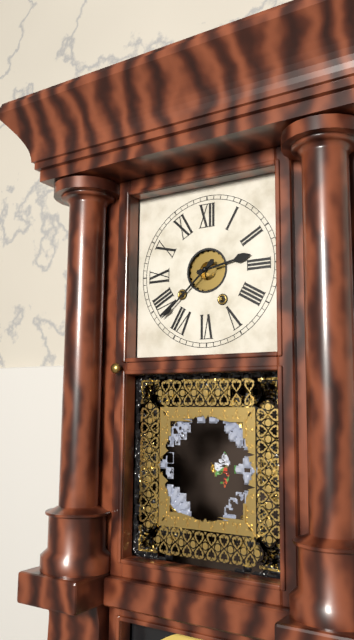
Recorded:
{"hour": 2, "minute": 38}
